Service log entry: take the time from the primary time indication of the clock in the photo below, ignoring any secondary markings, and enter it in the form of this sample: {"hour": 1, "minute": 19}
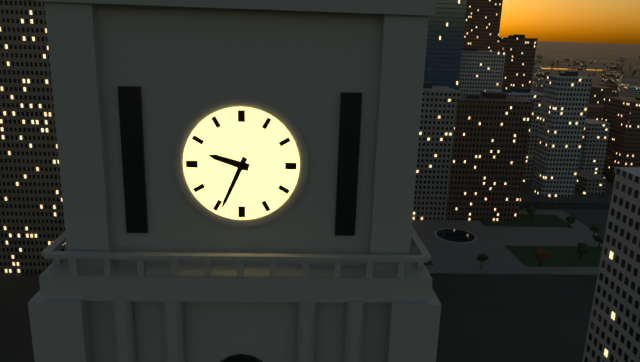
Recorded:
{"hour": 9, "minute": 34}
